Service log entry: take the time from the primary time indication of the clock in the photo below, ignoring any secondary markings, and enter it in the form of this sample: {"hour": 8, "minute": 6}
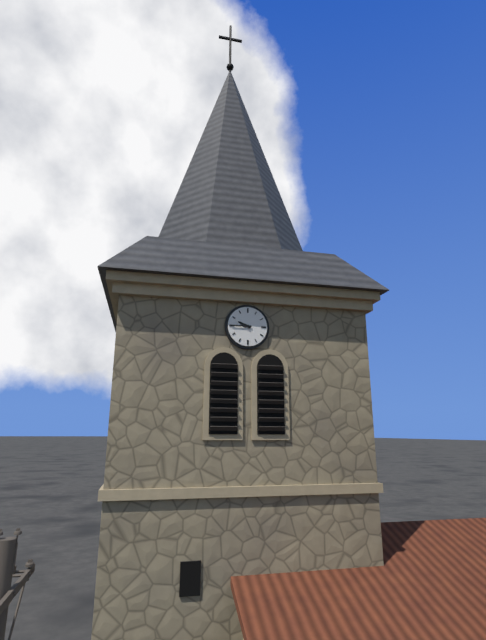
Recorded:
{"hour": 9, "minute": 45}
